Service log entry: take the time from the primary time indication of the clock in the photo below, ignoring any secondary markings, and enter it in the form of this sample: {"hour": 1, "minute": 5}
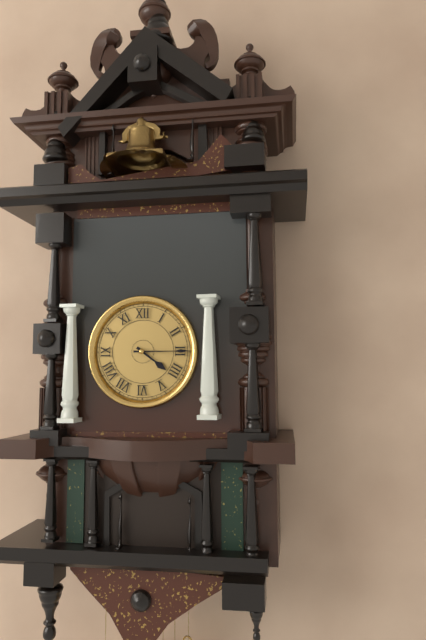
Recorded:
{"hour": 4, "minute": 15}
